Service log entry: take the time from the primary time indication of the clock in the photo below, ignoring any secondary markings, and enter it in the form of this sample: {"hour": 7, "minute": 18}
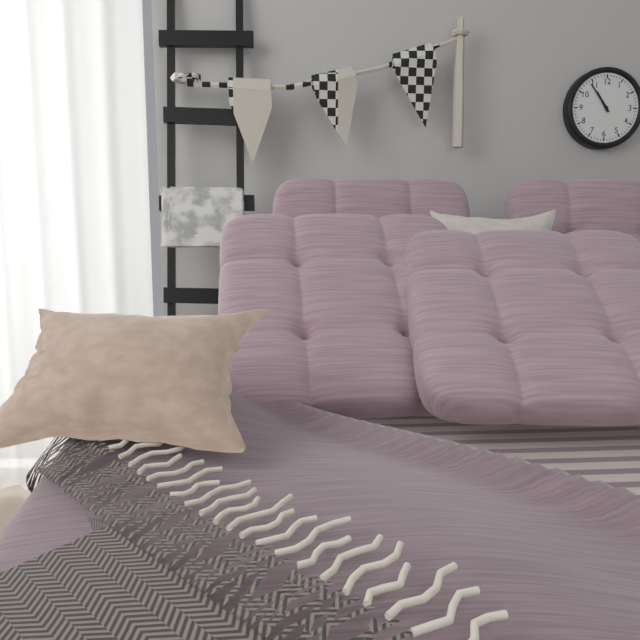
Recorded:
{"hour": 10, "minute": 54}
